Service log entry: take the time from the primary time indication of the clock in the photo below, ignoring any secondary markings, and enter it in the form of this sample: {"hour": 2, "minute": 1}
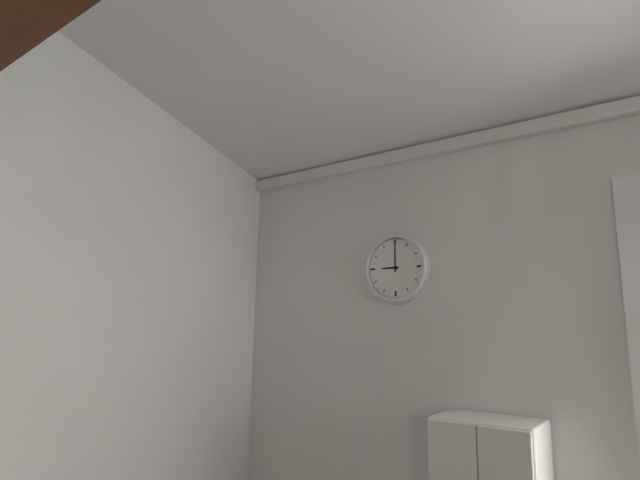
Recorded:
{"hour": 9, "minute": 0}
